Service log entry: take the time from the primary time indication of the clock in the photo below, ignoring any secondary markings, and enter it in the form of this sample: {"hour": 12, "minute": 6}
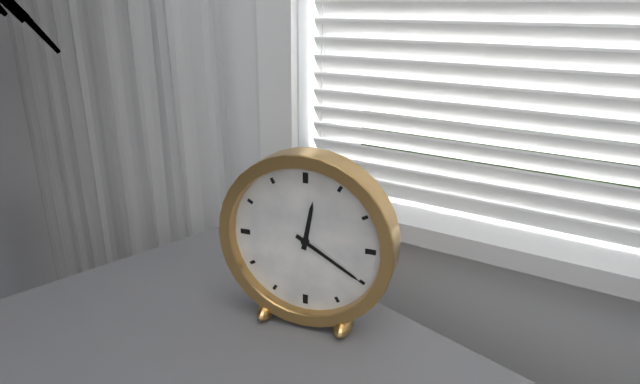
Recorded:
{"hour": 12, "minute": 20}
